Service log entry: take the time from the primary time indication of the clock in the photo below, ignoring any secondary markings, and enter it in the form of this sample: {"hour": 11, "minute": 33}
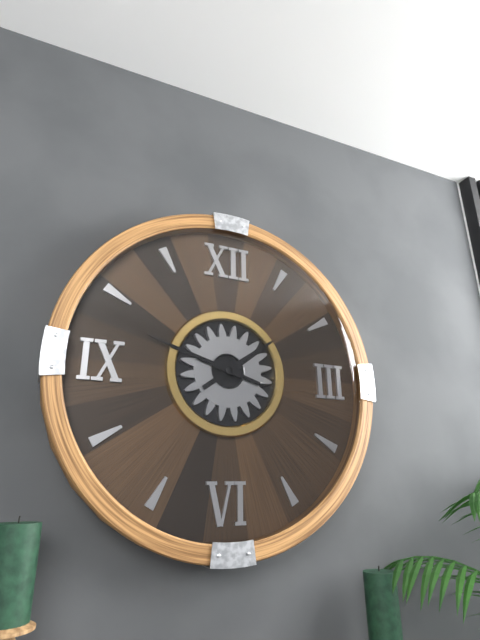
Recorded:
{"hour": 1, "minute": 48}
